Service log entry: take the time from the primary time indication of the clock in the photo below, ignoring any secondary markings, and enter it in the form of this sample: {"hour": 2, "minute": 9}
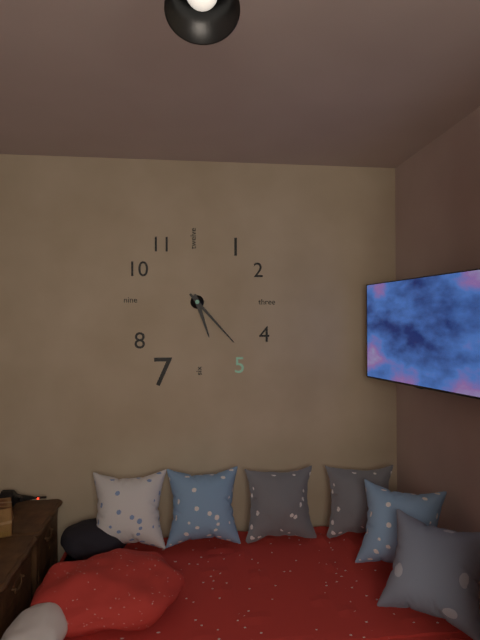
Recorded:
{"hour": 5, "minute": 23}
